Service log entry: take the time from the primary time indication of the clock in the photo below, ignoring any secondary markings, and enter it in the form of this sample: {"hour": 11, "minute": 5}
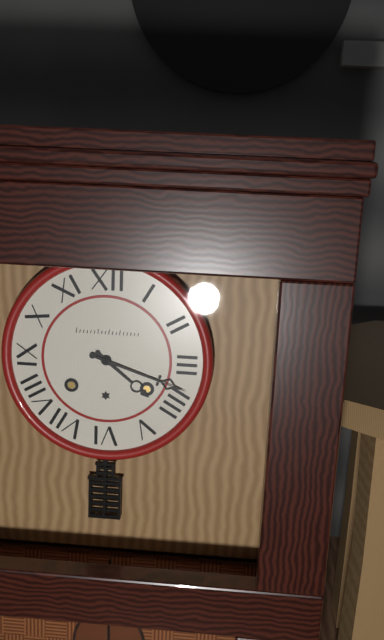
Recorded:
{"hour": 4, "minute": 18}
